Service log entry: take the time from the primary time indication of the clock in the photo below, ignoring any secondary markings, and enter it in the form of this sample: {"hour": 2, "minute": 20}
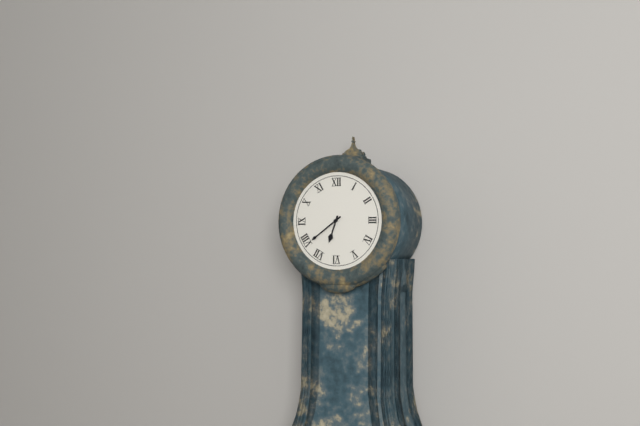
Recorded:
{"hour": 6, "minute": 39}
